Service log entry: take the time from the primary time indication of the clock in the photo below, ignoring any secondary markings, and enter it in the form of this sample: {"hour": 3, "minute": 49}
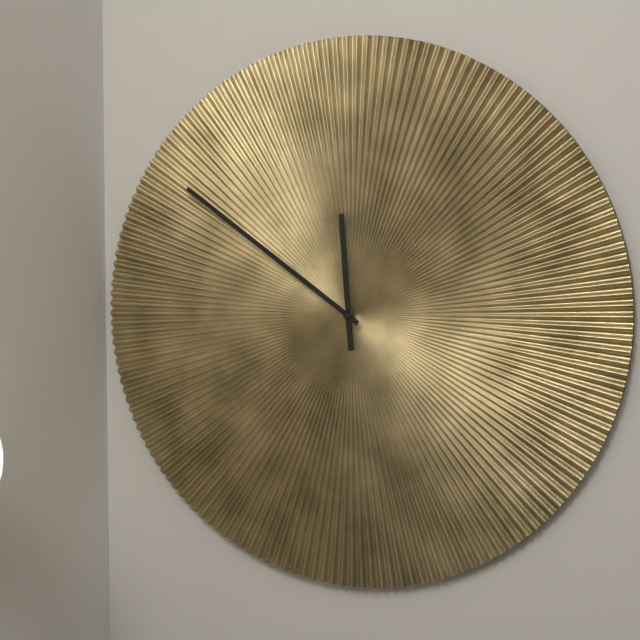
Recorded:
{"hour": 11, "minute": 51}
